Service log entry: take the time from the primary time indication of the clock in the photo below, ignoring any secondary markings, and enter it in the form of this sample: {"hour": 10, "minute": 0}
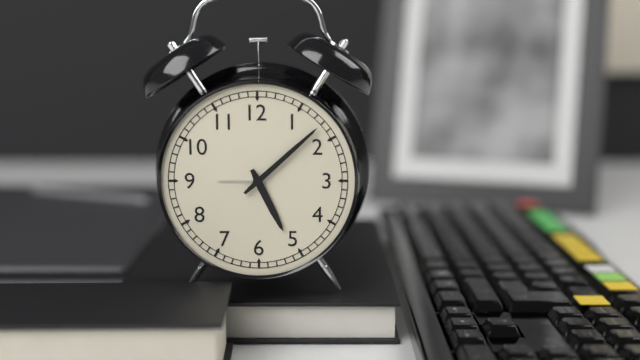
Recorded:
{"hour": 5, "minute": 8}
